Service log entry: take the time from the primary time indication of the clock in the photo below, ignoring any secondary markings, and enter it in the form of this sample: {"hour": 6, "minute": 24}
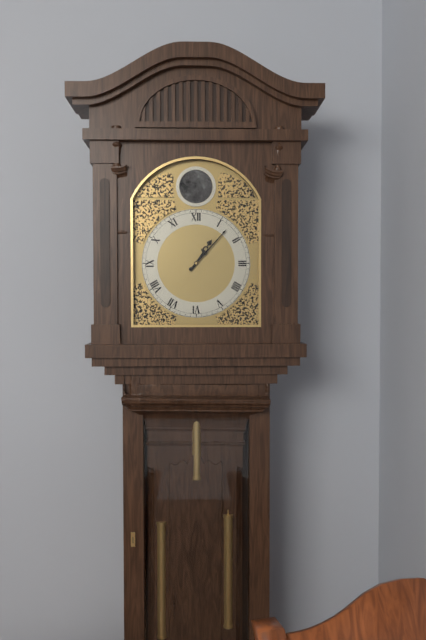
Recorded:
{"hour": 1, "minute": 7}
